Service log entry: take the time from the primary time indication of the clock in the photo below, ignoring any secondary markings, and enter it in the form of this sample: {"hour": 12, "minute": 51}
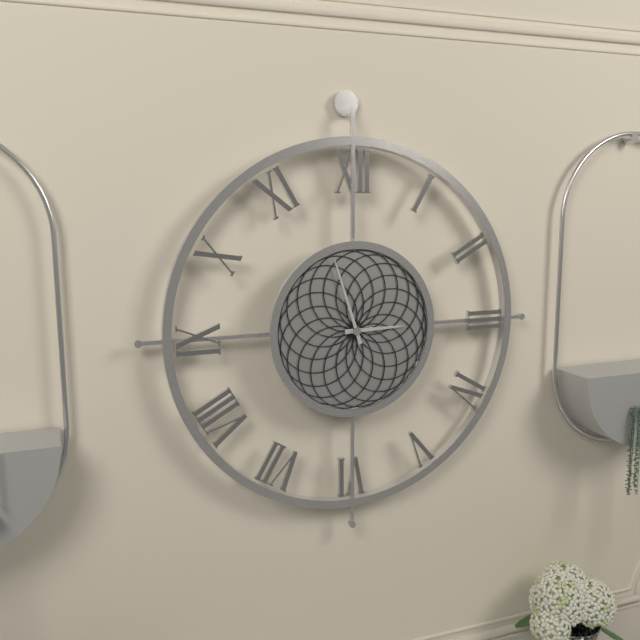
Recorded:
{"hour": 2, "minute": 57}
